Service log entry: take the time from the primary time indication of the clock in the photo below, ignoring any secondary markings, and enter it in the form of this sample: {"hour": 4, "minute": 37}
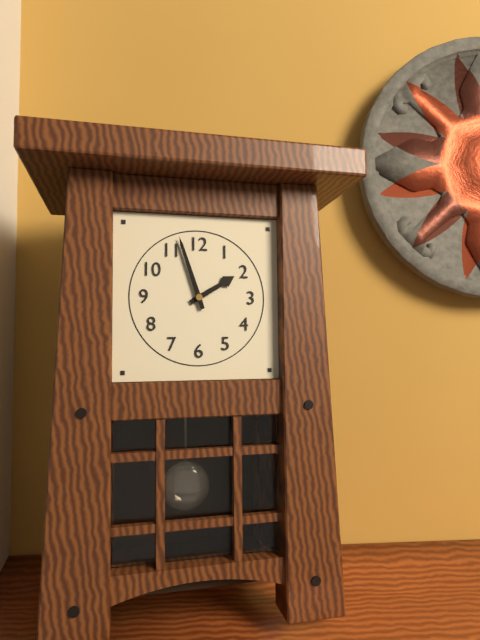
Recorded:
{"hour": 1, "minute": 57}
